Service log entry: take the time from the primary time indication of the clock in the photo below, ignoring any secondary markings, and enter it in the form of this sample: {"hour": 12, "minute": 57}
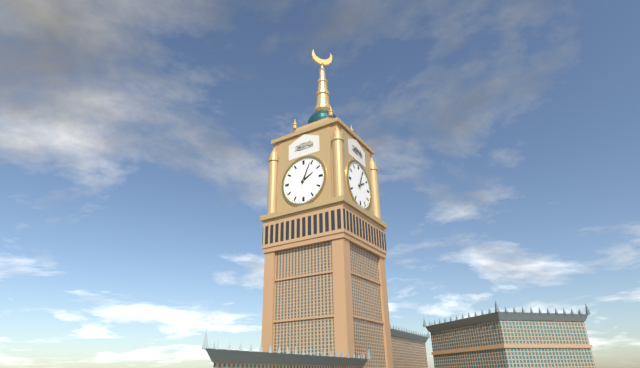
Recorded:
{"hour": 2, "minute": 4}
